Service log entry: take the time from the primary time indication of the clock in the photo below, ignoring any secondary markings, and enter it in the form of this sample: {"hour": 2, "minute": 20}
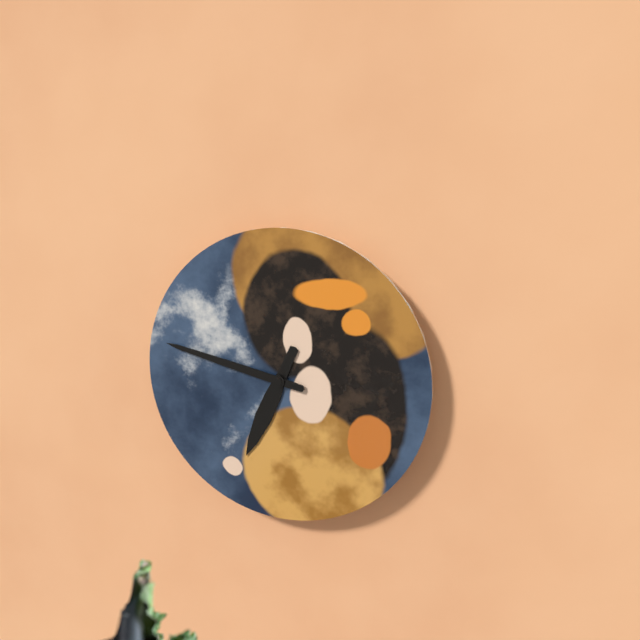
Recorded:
{"hour": 6, "minute": 47}
